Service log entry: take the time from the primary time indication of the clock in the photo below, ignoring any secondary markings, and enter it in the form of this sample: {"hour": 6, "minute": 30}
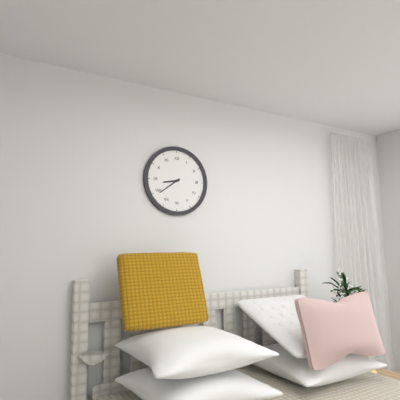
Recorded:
{"hour": 8, "minute": 39}
